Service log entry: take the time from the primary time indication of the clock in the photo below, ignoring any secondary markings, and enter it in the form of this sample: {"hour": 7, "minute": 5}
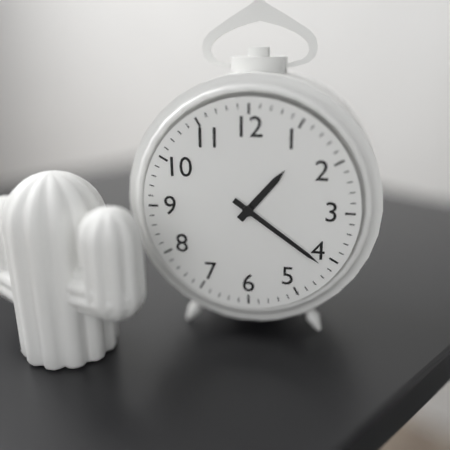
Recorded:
{"hour": 1, "minute": 21}
